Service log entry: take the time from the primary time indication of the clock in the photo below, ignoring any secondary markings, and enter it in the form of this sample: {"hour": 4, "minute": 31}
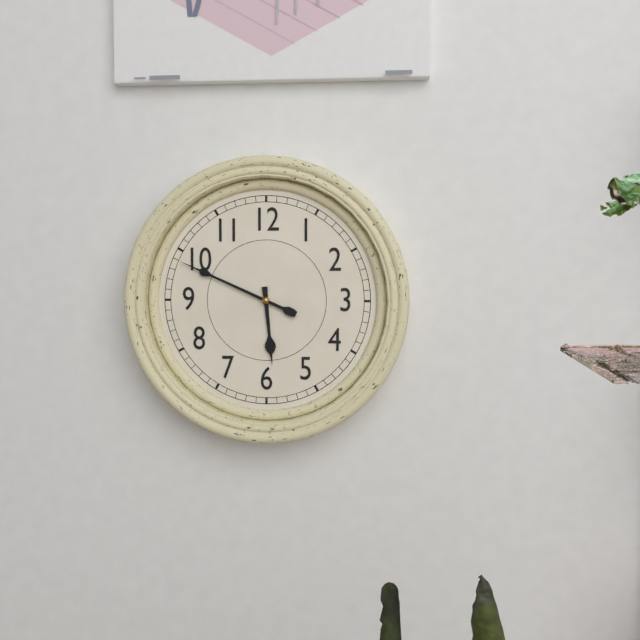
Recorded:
{"hour": 5, "minute": 49}
